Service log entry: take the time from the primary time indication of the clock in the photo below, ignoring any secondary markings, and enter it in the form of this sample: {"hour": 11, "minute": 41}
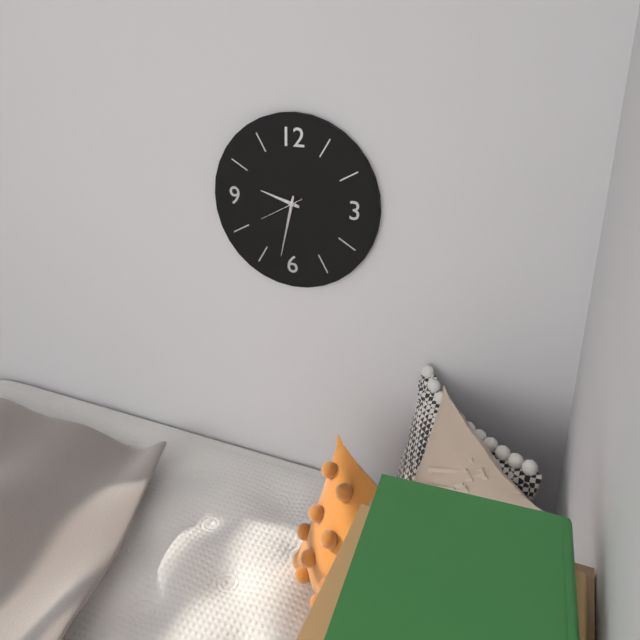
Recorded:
{"hour": 9, "minute": 32}
